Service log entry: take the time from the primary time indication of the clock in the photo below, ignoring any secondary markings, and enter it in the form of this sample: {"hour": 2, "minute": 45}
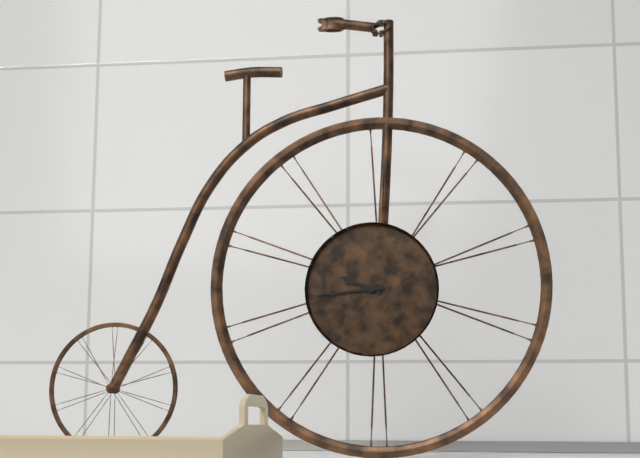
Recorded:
{"hour": 9, "minute": 44}
